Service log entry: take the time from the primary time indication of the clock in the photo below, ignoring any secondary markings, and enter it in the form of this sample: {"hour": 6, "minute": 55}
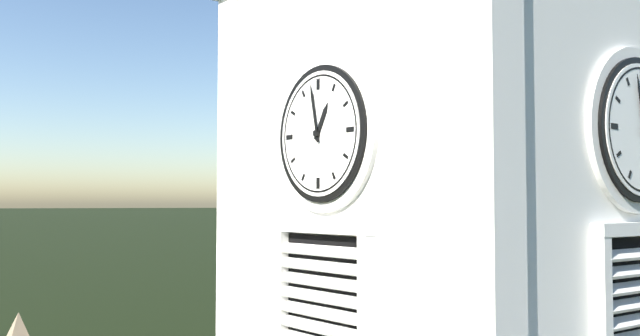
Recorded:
{"hour": 12, "minute": 58}
